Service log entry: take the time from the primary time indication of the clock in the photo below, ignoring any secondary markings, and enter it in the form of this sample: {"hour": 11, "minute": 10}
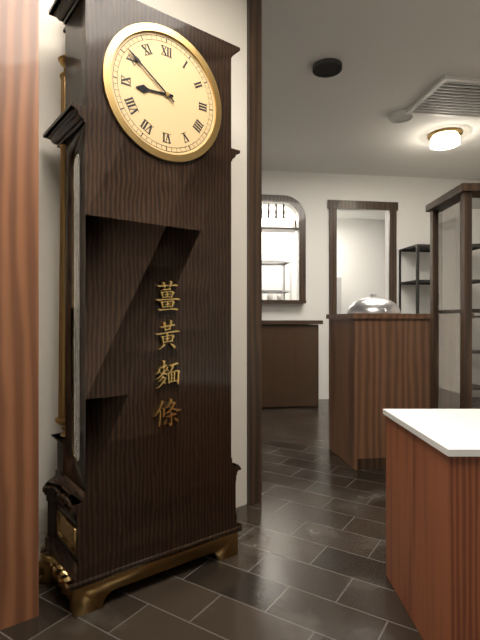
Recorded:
{"hour": 8, "minute": 51}
